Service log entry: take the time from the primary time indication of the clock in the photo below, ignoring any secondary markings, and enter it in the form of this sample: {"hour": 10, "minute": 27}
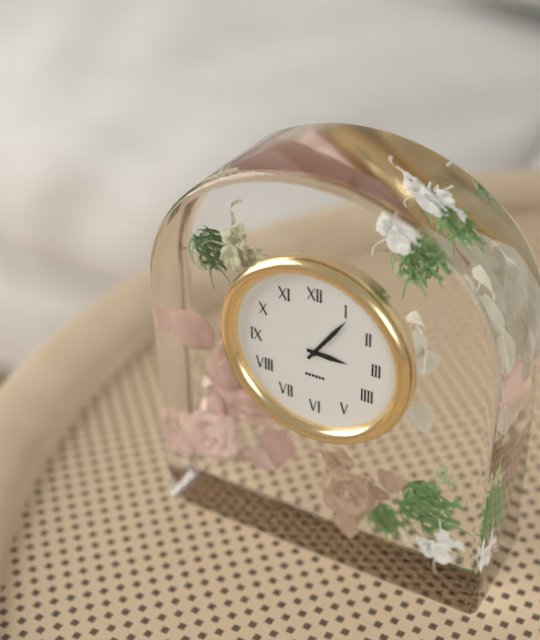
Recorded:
{"hour": 3, "minute": 6}
